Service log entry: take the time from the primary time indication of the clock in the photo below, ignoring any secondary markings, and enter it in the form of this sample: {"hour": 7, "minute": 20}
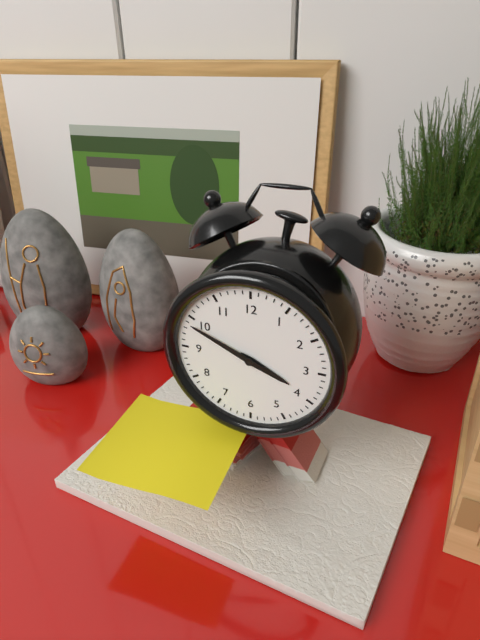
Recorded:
{"hour": 3, "minute": 49}
